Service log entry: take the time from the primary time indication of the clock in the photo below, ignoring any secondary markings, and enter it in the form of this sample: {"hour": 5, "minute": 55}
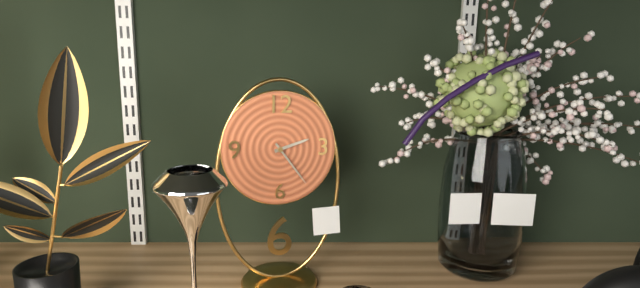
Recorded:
{"hour": 2, "minute": 24}
